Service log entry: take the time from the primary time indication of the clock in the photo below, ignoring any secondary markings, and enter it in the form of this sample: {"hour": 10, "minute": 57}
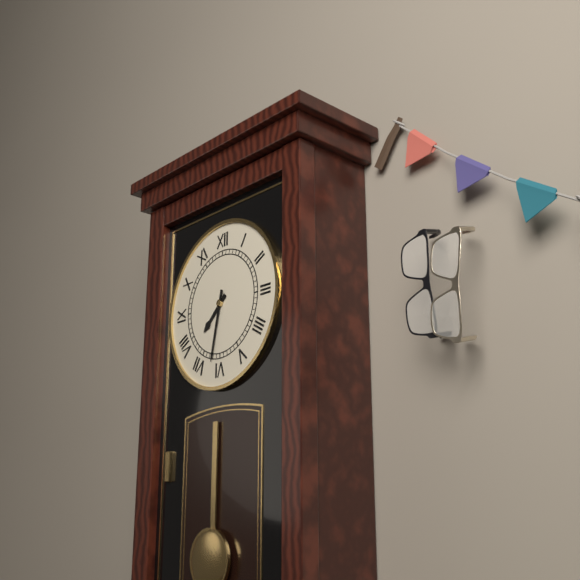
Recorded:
{"hour": 7, "minute": 32}
